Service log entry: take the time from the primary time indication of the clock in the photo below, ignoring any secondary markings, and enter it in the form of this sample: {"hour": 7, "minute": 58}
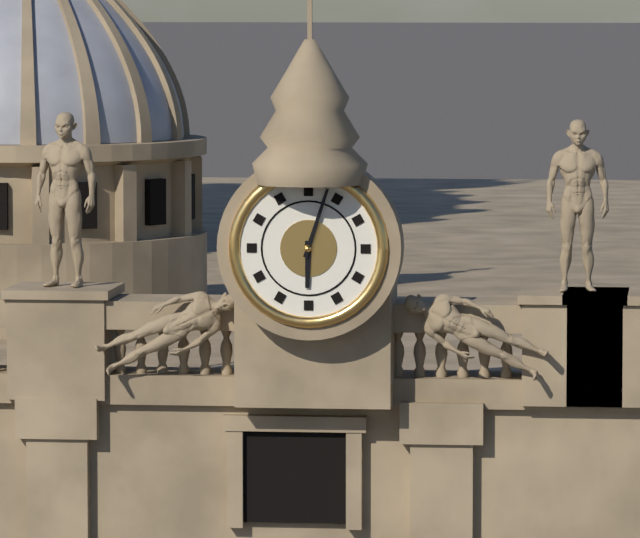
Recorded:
{"hour": 6, "minute": 3}
